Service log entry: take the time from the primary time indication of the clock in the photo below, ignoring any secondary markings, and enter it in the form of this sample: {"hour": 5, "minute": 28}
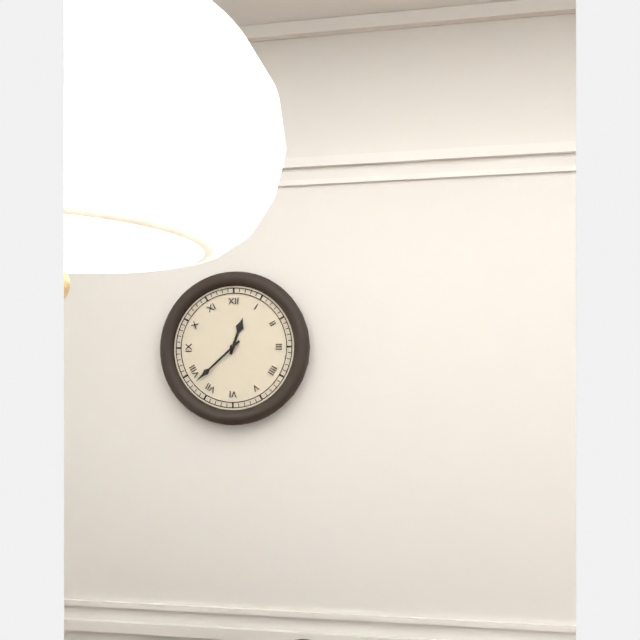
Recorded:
{"hour": 12, "minute": 38}
